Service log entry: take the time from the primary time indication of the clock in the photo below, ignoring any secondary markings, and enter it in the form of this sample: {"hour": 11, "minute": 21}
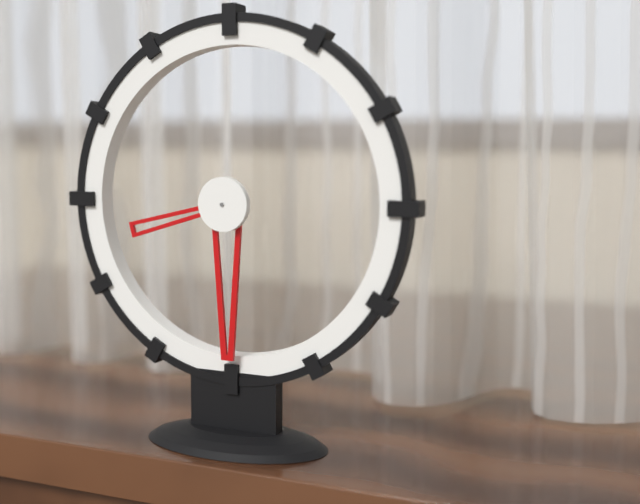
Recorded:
{"hour": 8, "minute": 30}
